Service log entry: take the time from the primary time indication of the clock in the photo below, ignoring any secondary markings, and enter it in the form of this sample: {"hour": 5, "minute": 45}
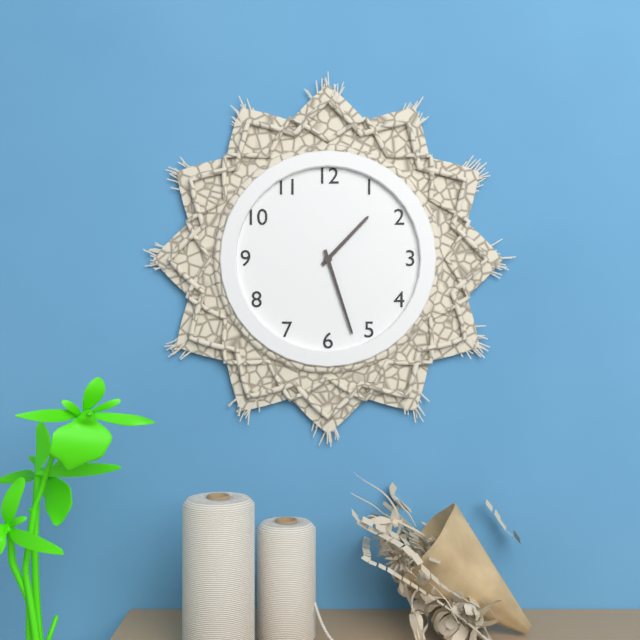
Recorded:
{"hour": 1, "minute": 27}
